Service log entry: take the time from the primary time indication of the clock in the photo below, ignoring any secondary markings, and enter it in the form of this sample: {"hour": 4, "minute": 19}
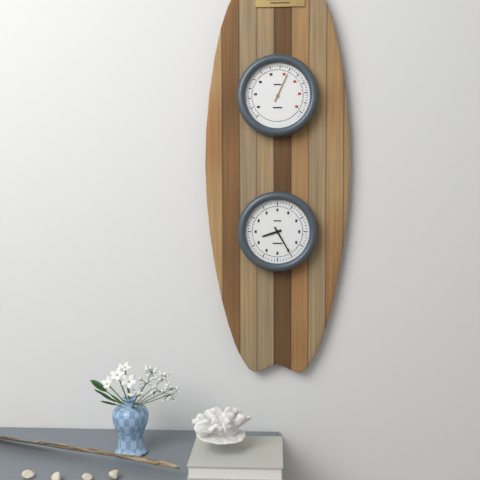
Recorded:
{"hour": 8, "minute": 25}
